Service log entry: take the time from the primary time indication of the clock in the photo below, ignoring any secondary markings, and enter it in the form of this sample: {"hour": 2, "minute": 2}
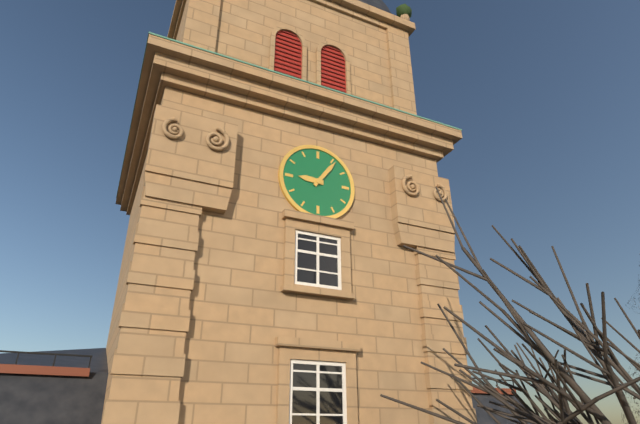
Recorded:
{"hour": 9, "minute": 6}
